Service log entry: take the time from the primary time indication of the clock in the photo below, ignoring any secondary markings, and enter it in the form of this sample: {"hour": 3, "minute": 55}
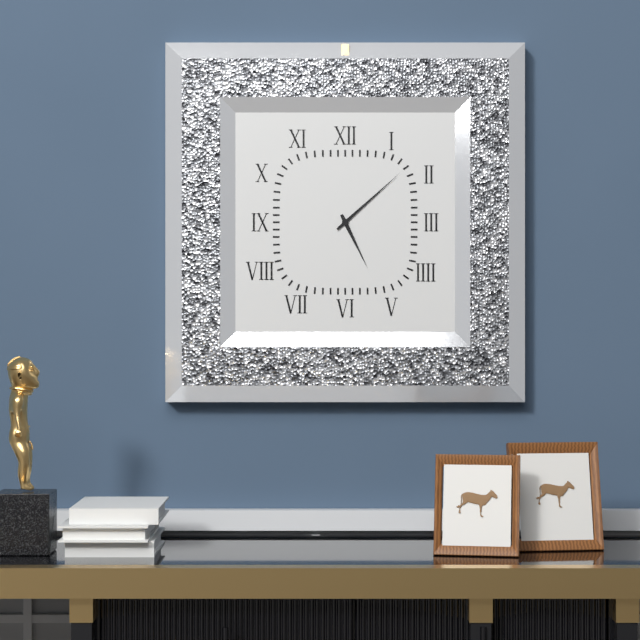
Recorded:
{"hour": 5, "minute": 8}
